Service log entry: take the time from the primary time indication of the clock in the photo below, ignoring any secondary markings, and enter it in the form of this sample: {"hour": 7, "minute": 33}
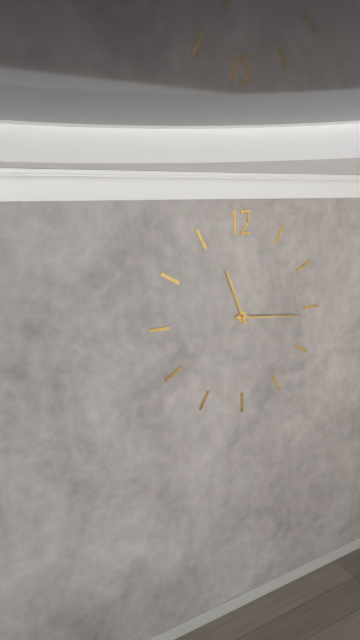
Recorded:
{"hour": 11, "minute": 16}
